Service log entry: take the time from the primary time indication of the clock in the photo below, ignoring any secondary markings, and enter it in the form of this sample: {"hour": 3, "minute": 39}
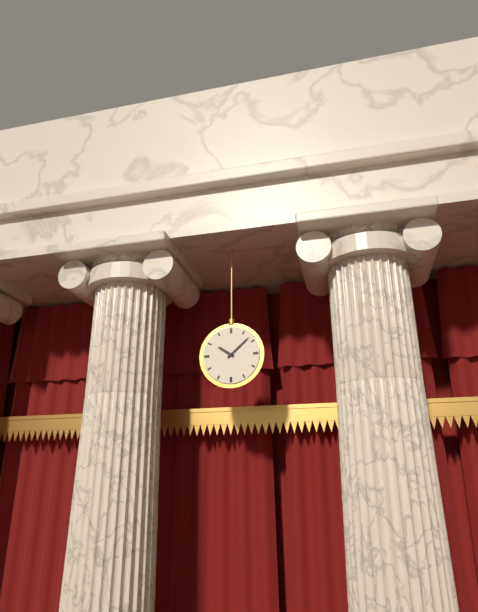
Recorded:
{"hour": 10, "minute": 8}
